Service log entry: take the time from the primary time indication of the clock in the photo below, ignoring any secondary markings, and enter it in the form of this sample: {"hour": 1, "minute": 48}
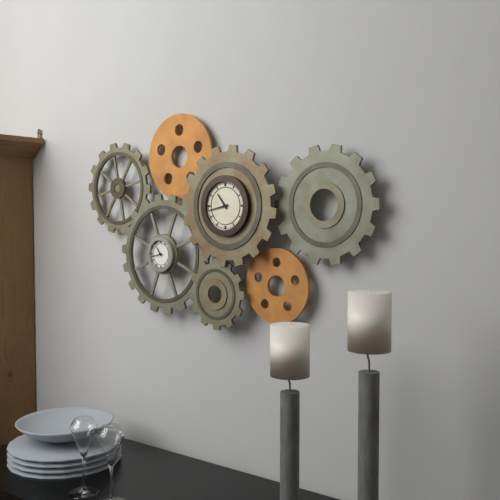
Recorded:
{"hour": 10, "minute": 43}
